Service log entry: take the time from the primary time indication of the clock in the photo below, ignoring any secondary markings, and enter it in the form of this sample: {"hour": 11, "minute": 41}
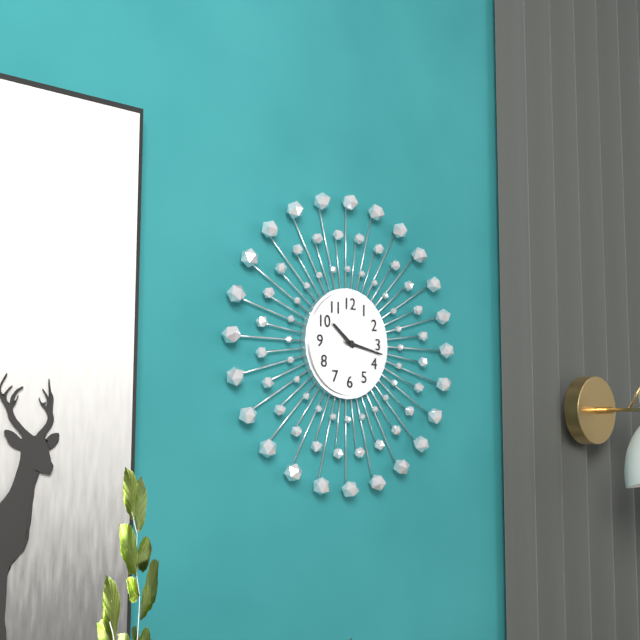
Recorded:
{"hour": 10, "minute": 17}
